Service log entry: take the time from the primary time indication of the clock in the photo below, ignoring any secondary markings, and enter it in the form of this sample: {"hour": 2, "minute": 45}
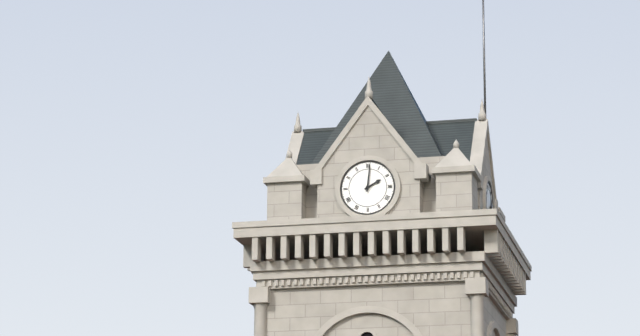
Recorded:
{"hour": 2, "minute": 1}
